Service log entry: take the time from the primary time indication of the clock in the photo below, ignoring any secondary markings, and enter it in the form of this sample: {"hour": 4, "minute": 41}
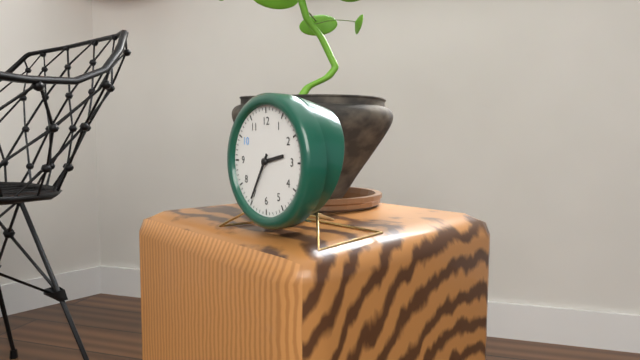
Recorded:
{"hour": 2, "minute": 35}
